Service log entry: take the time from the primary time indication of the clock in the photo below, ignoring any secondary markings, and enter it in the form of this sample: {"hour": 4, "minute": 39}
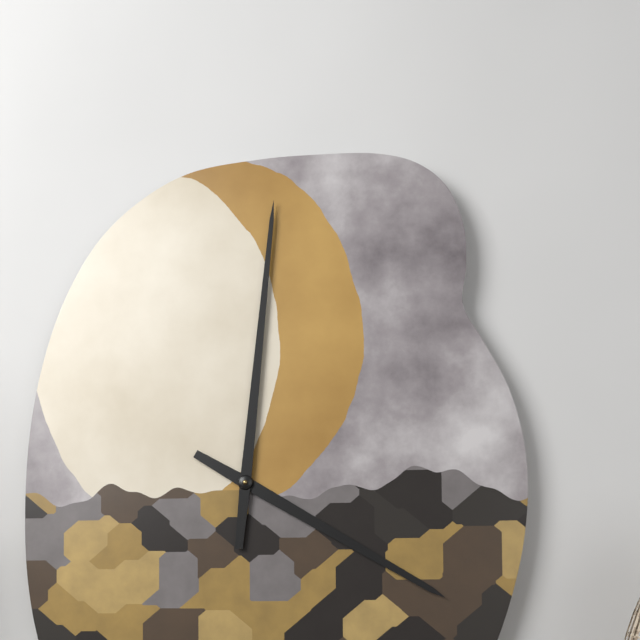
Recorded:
{"hour": 4, "minute": 1}
